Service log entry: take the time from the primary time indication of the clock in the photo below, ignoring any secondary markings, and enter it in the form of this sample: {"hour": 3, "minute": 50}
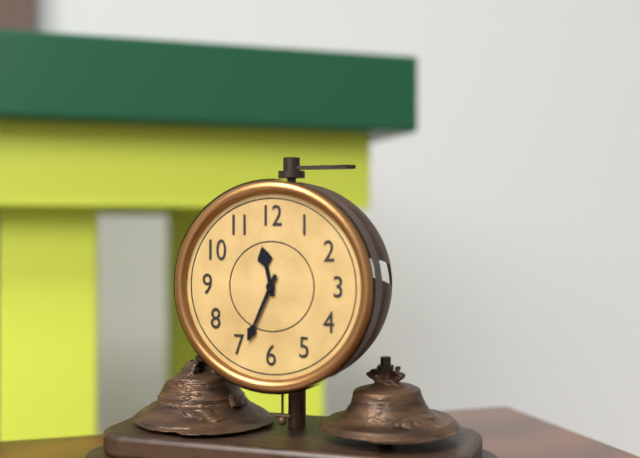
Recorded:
{"hour": 11, "minute": 34}
